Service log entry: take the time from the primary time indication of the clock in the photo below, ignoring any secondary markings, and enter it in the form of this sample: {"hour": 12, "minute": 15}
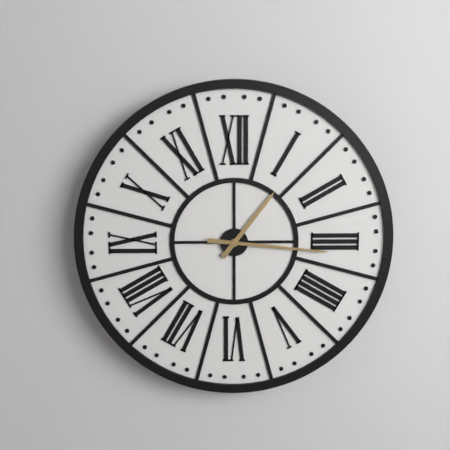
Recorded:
{"hour": 1, "minute": 16}
